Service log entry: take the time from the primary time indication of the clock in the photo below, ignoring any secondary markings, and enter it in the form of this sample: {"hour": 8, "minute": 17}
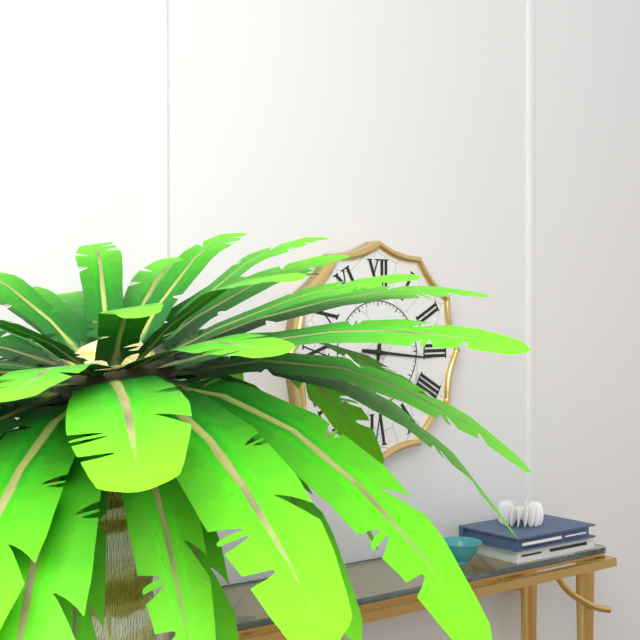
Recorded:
{"hour": 6, "minute": 16}
